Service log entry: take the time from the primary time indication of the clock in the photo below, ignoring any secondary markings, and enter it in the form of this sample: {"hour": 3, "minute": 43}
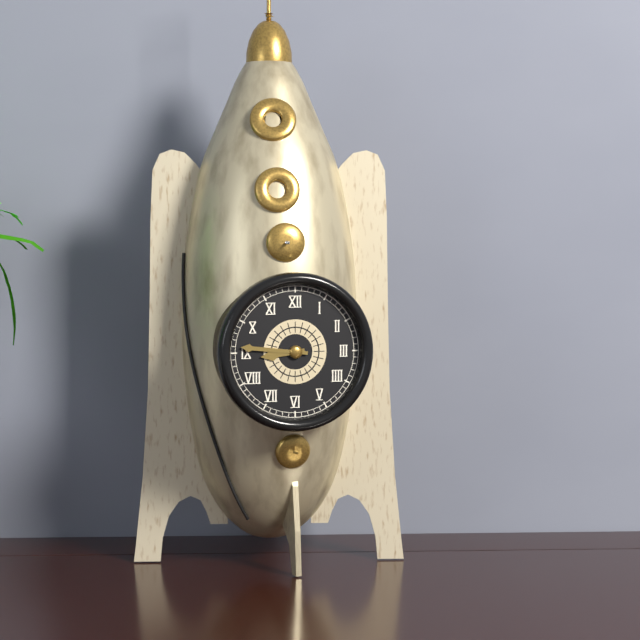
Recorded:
{"hour": 8, "minute": 46}
